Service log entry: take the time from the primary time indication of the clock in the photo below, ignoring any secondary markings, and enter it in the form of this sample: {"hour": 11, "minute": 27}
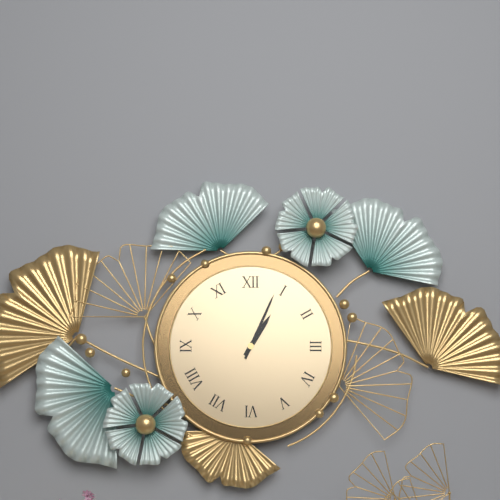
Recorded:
{"hour": 1, "minute": 4}
